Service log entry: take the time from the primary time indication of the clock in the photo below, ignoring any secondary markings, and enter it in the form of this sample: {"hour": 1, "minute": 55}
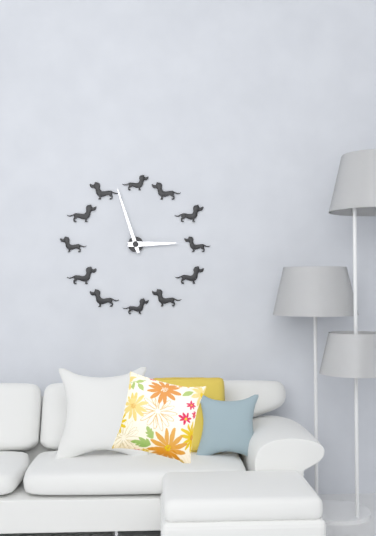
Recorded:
{"hour": 2, "minute": 57}
